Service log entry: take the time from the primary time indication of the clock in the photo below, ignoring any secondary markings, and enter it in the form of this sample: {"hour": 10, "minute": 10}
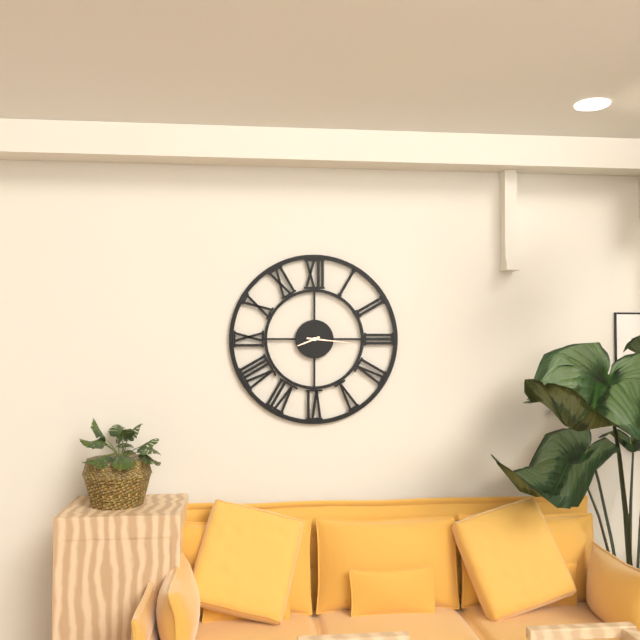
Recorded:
{"hour": 8, "minute": 16}
